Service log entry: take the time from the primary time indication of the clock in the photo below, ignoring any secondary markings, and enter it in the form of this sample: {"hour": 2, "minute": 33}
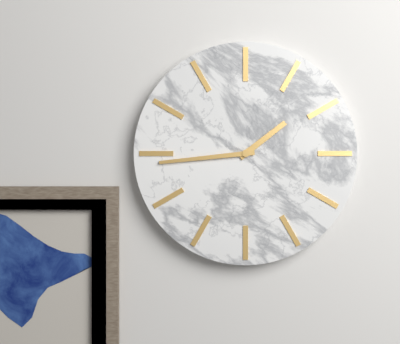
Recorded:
{"hour": 1, "minute": 44}
